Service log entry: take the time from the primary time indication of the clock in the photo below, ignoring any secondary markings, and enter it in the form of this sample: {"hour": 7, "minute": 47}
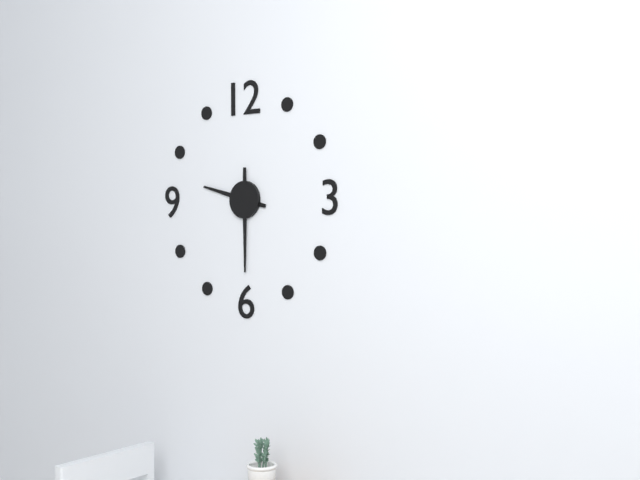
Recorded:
{"hour": 9, "minute": 30}
